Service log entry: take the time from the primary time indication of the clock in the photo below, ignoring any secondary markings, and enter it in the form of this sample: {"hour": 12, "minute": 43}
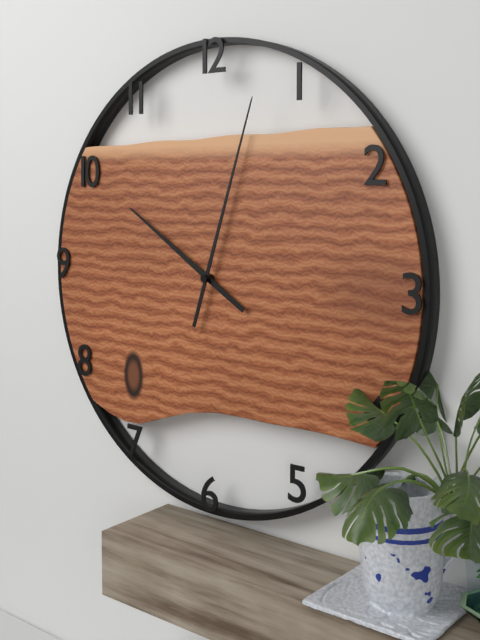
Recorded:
{"hour": 10, "minute": 3}
